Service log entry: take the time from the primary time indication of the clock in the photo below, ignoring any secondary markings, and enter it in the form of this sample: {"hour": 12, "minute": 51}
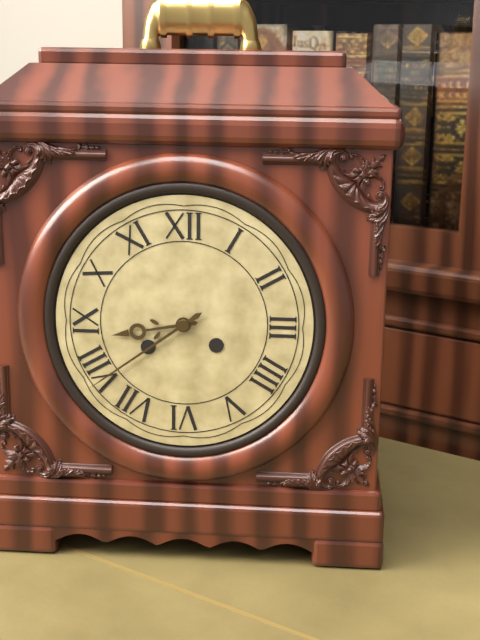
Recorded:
{"hour": 8, "minute": 39}
